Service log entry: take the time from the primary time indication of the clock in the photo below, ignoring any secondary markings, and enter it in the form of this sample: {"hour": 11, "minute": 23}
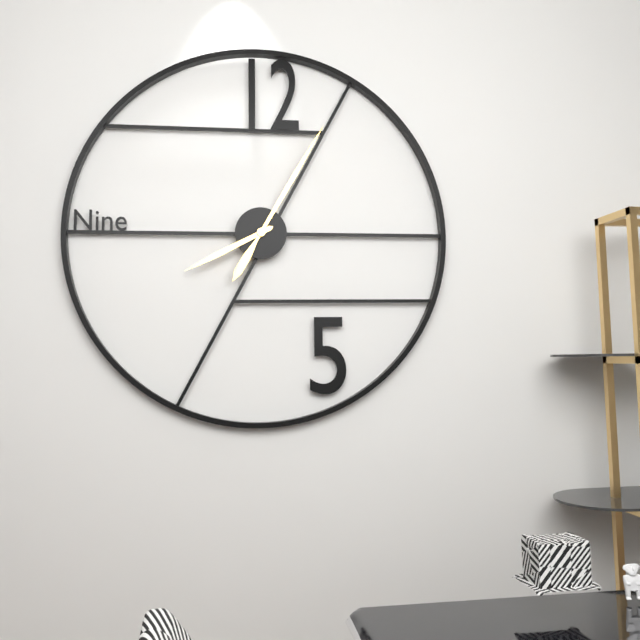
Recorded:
{"hour": 8, "minute": 5}
